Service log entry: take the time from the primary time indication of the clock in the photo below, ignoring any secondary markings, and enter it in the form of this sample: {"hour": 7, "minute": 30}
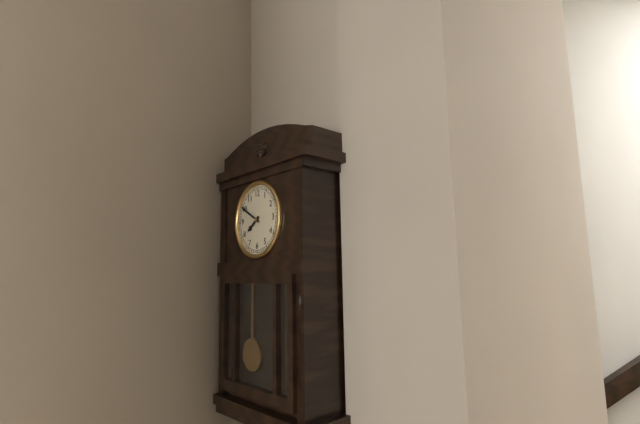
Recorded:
{"hour": 7, "minute": 50}
